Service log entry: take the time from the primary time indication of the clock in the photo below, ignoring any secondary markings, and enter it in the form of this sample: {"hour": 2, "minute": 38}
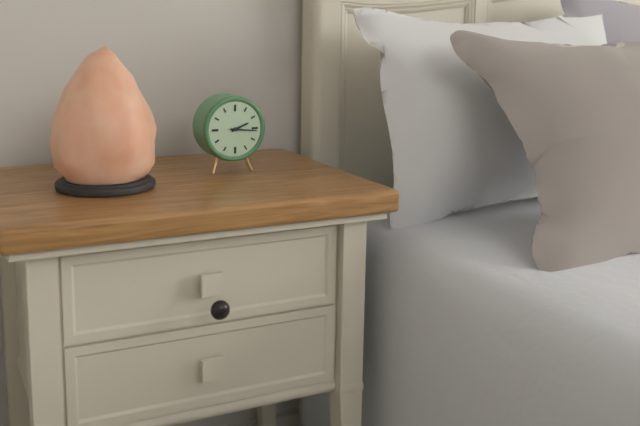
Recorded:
{"hour": 2, "minute": 16}
